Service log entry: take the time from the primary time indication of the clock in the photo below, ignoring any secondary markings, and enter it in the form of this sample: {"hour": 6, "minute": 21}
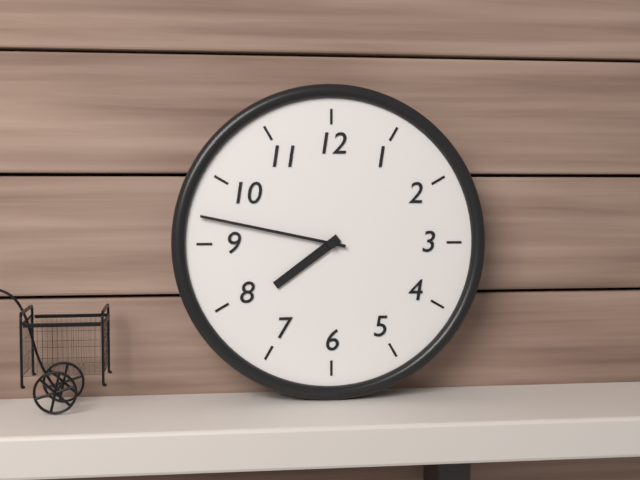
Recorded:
{"hour": 7, "minute": 47}
